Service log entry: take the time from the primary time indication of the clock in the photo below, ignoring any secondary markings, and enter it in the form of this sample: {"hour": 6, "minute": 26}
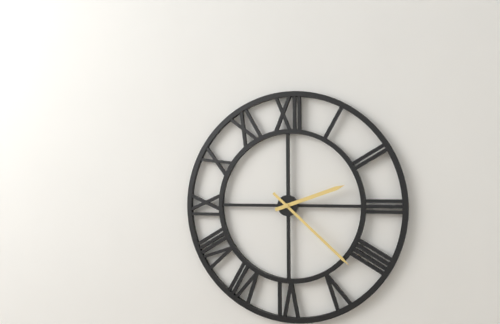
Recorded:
{"hour": 2, "minute": 22}
